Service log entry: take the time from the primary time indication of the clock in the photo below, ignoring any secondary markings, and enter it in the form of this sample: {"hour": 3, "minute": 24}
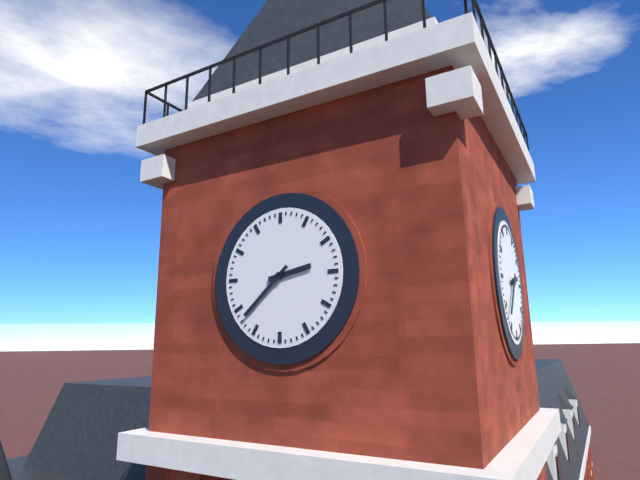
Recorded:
{"hour": 2, "minute": 38}
